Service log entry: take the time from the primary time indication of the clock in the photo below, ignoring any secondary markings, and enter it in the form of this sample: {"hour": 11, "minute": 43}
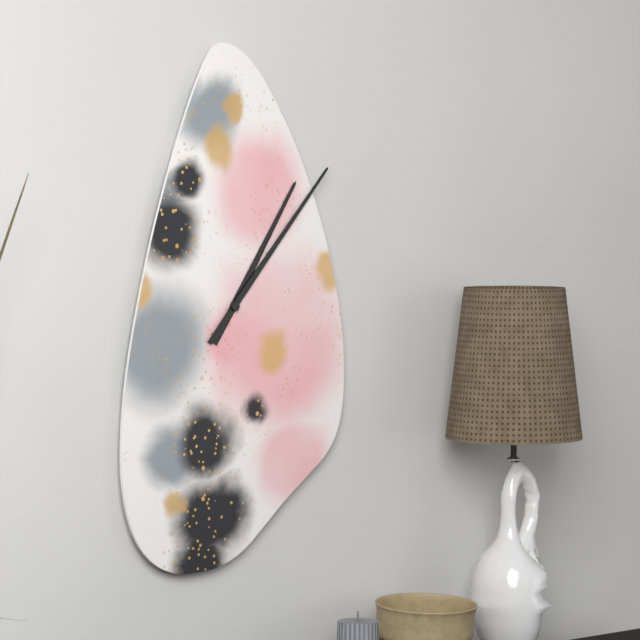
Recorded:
{"hour": 1, "minute": 7}
